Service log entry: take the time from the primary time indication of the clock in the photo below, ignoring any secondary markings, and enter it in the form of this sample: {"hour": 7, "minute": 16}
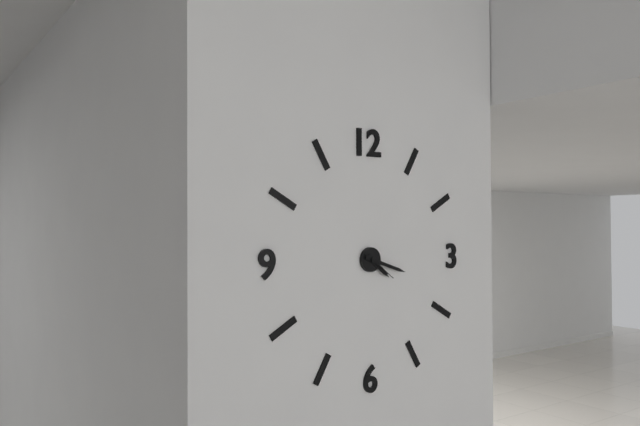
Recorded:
{"hour": 4, "minute": 18}
